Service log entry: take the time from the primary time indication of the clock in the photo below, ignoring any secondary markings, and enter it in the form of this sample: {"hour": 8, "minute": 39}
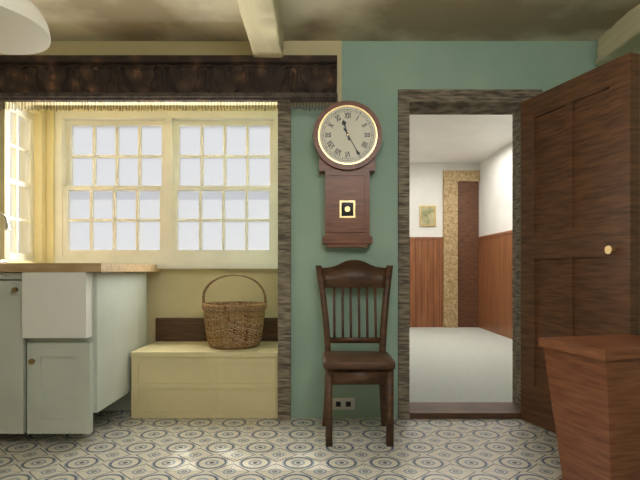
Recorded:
{"hour": 11, "minute": 25}
